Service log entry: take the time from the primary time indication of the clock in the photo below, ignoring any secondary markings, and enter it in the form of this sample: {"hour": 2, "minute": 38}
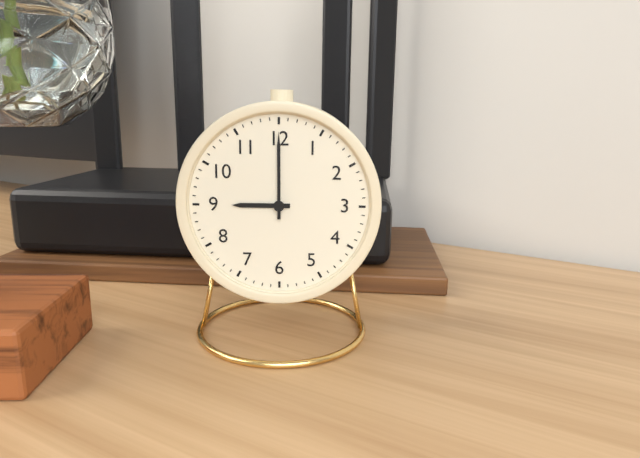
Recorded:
{"hour": 9, "minute": 0}
